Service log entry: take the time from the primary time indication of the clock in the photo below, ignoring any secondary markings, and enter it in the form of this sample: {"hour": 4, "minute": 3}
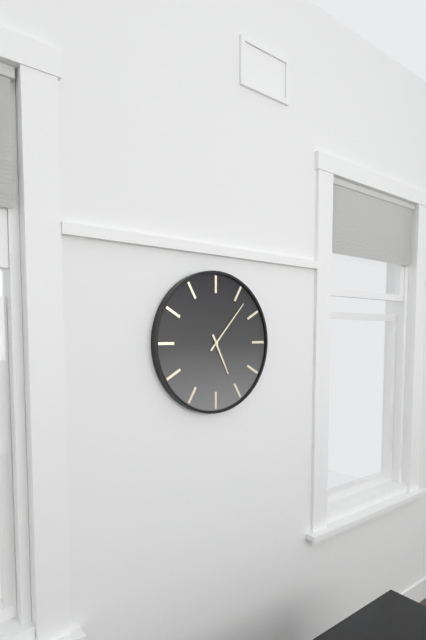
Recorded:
{"hour": 5, "minute": 7}
